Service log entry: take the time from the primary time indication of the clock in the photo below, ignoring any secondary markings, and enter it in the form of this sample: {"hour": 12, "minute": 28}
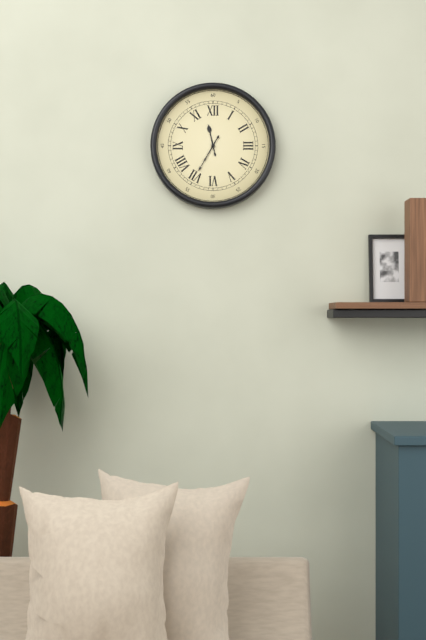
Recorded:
{"hour": 11, "minute": 35}
